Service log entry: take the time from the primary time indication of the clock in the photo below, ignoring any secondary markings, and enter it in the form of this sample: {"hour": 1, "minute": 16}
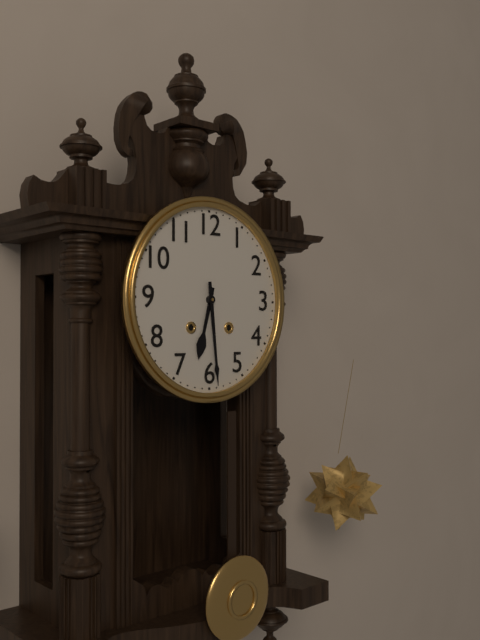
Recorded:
{"hour": 6, "minute": 29}
